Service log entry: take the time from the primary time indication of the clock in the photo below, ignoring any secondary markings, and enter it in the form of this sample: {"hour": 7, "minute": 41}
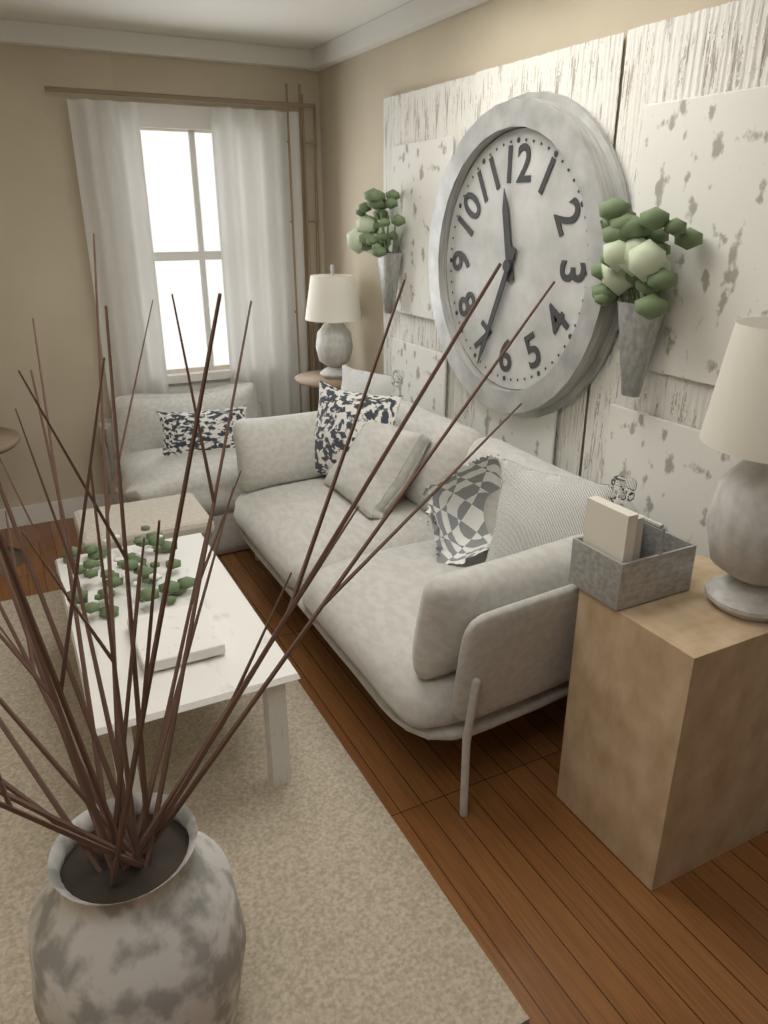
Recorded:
{"hour": 11, "minute": 34}
